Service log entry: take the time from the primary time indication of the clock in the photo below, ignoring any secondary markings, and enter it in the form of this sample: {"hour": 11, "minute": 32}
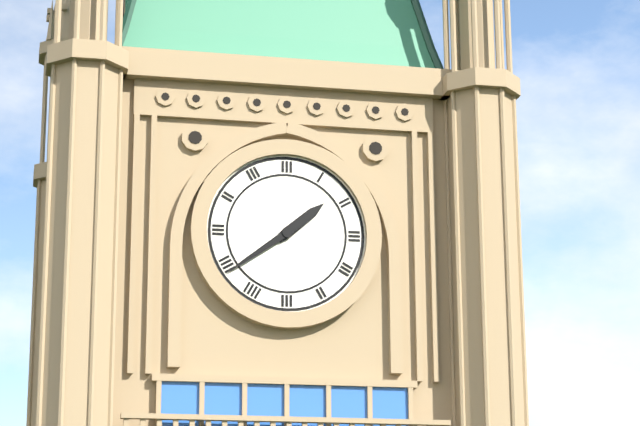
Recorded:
{"hour": 1, "minute": 39}
